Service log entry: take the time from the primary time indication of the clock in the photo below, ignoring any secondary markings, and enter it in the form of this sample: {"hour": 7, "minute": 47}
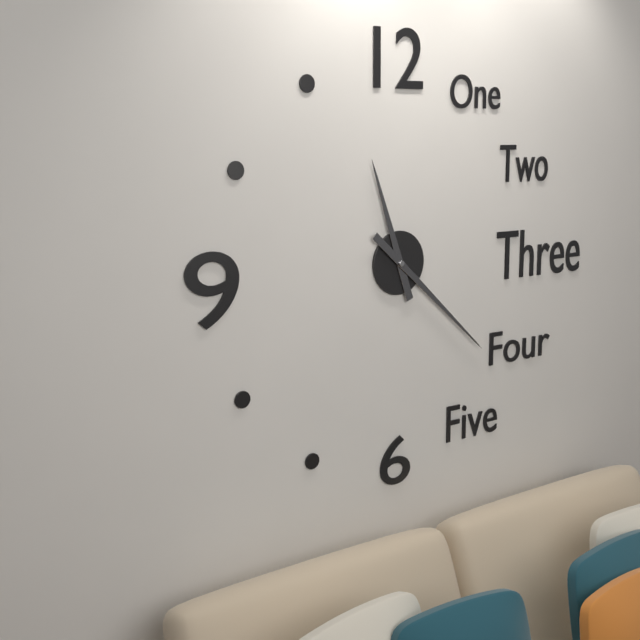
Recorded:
{"hour": 11, "minute": 22}
